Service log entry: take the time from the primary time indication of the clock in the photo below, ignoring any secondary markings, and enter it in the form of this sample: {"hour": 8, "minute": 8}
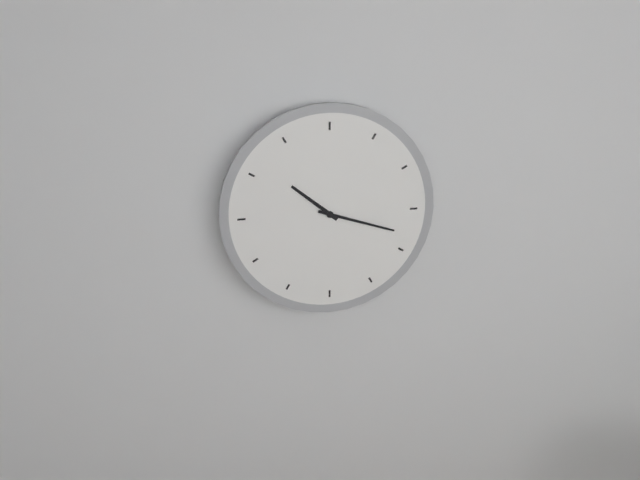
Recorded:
{"hour": 10, "minute": 18}
